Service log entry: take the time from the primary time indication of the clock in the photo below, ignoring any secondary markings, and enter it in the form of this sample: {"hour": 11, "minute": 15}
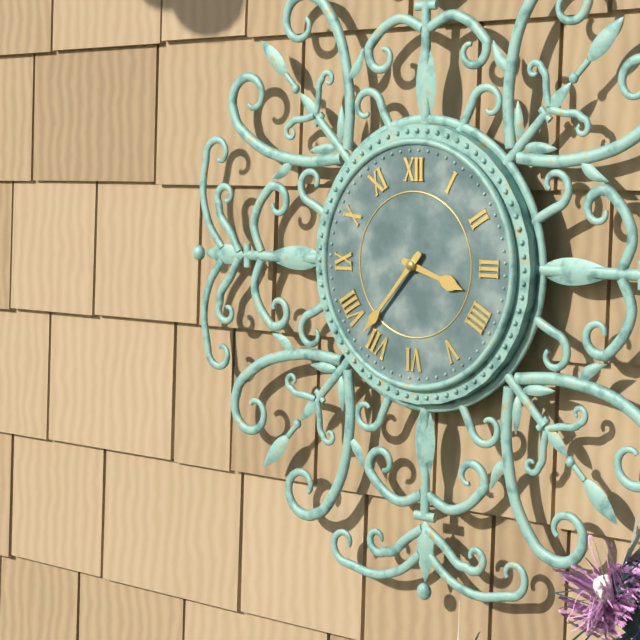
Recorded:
{"hour": 3, "minute": 37}
